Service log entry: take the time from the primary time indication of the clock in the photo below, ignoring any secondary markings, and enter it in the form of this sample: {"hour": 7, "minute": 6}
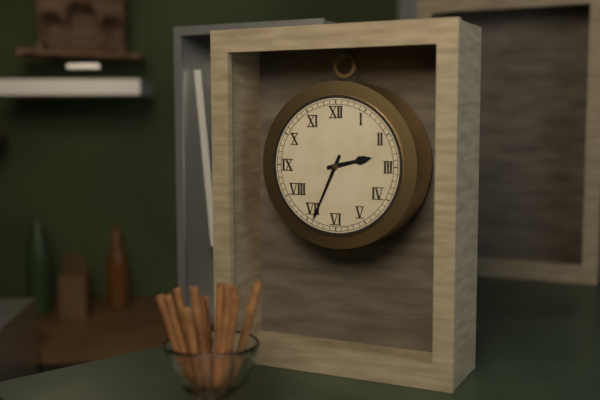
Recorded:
{"hour": 2, "minute": 34}
